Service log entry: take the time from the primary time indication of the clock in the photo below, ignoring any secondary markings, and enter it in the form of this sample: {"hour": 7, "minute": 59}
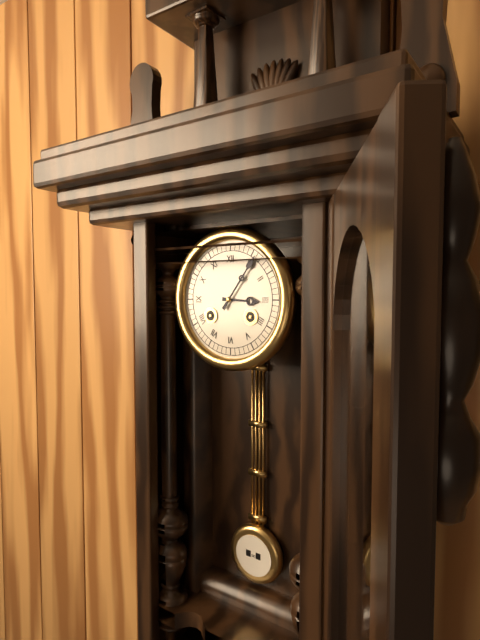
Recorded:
{"hour": 3, "minute": 6}
